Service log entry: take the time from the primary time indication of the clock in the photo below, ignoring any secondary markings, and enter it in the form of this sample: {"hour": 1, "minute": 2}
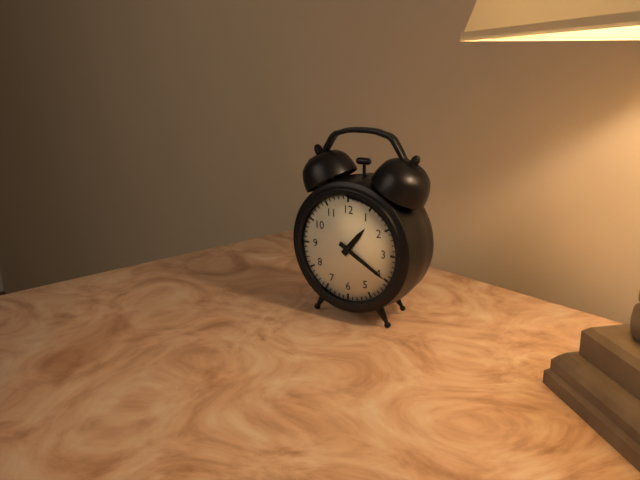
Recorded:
{"hour": 1, "minute": 20}
